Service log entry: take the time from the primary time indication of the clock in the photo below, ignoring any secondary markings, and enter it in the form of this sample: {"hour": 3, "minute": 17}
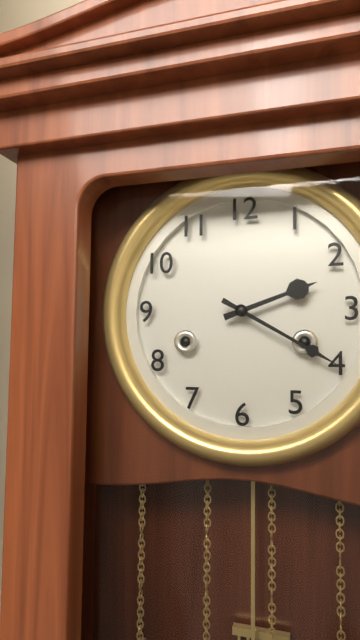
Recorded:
{"hour": 2, "minute": 20}
